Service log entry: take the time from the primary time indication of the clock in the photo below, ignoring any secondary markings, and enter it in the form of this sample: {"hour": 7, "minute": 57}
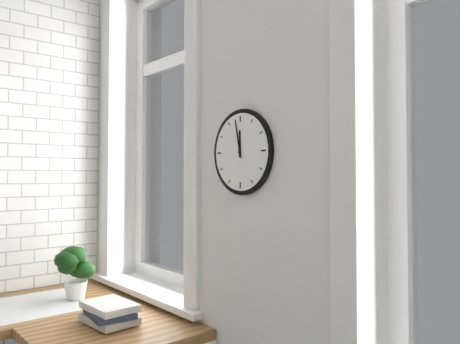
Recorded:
{"hour": 11, "minute": 58}
